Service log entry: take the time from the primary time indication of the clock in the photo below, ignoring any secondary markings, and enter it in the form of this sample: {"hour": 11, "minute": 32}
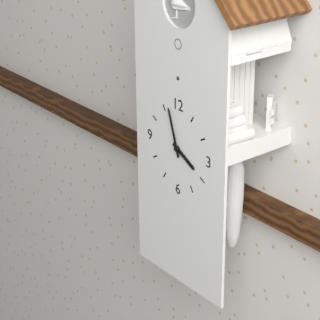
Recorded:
{"hour": 3, "minute": 57}
